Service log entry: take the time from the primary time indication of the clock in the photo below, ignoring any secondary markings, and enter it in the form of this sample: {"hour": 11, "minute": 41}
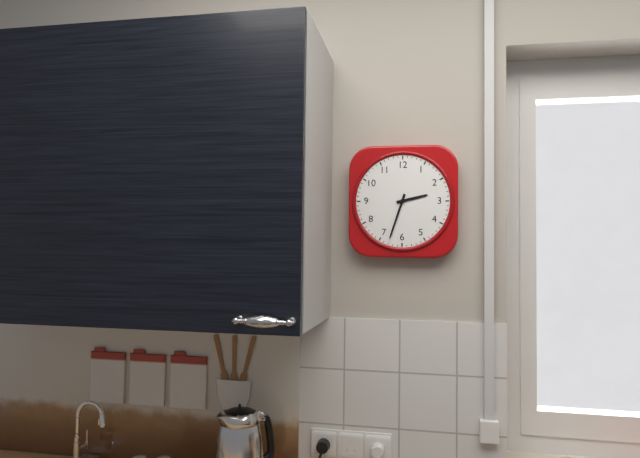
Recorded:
{"hour": 2, "minute": 33}
